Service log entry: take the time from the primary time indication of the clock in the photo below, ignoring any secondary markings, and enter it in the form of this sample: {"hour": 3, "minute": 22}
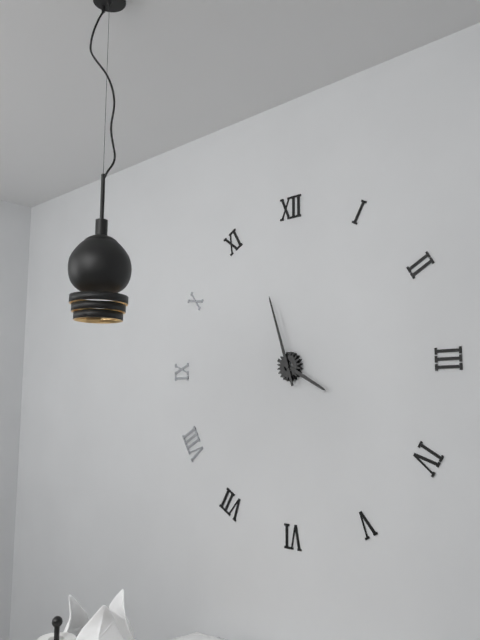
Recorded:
{"hour": 3, "minute": 57}
